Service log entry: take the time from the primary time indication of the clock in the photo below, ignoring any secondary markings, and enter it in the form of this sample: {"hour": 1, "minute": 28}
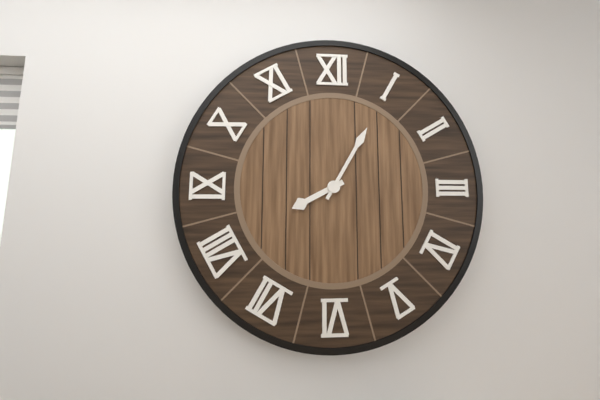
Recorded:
{"hour": 8, "minute": 5}
